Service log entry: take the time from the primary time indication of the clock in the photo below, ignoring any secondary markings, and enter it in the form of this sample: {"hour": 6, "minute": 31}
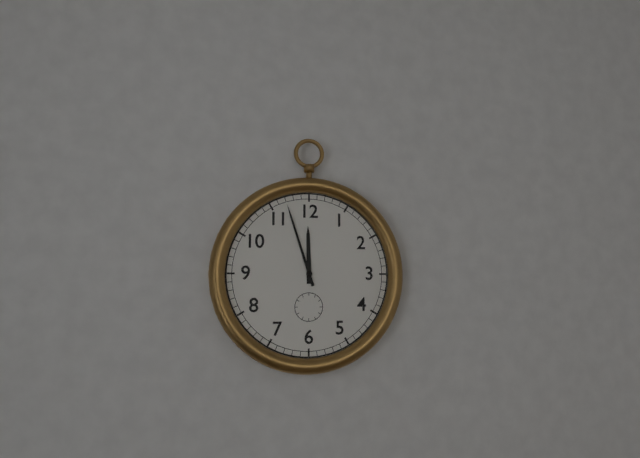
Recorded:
{"hour": 11, "minute": 57}
